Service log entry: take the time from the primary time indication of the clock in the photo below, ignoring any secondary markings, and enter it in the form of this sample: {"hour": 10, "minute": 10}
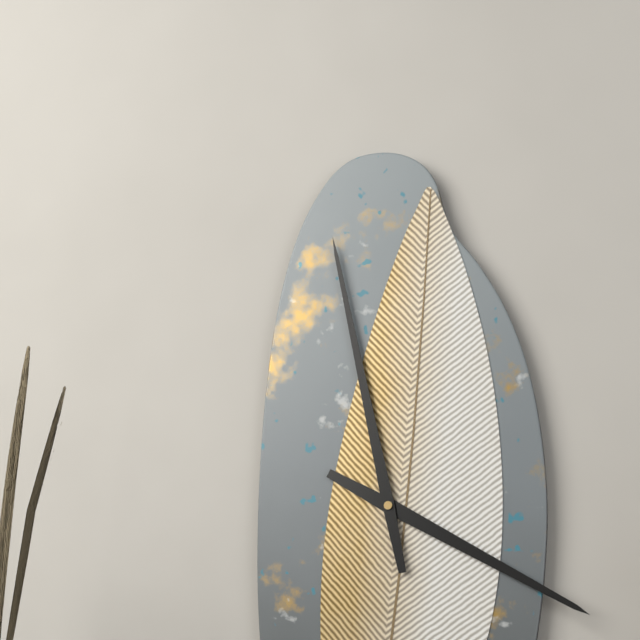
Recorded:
{"hour": 3, "minute": 58}
